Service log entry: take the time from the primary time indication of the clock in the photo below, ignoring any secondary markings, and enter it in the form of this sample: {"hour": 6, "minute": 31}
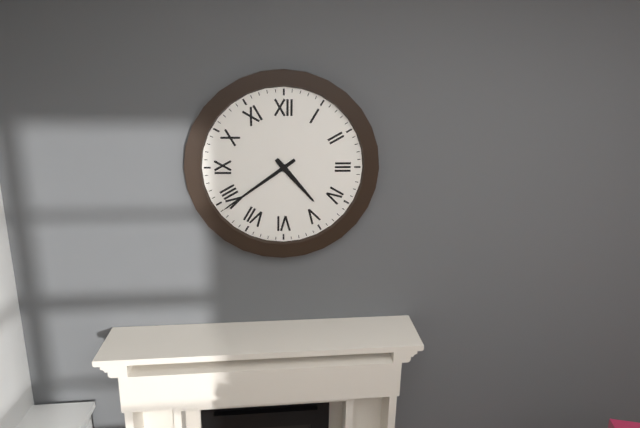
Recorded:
{"hour": 4, "minute": 39}
